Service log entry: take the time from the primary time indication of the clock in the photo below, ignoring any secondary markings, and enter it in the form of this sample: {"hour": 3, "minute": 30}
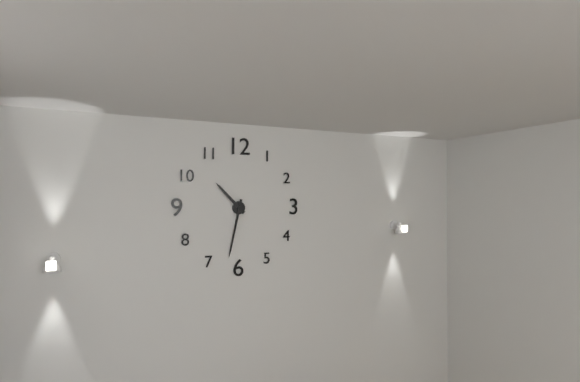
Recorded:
{"hour": 10, "minute": 32}
